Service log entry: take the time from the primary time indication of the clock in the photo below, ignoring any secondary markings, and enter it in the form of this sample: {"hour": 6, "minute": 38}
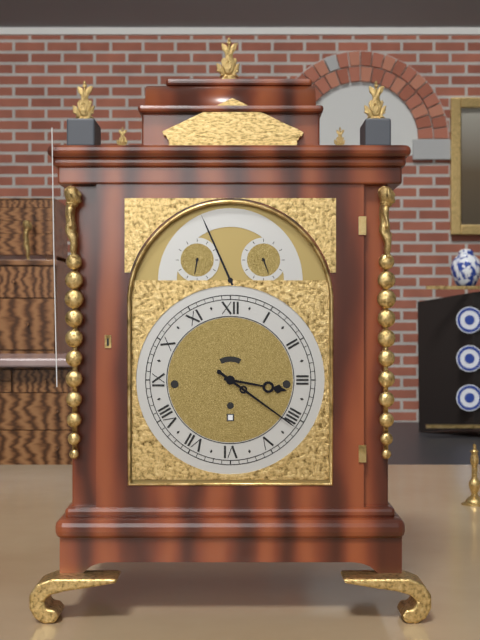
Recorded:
{"hour": 3, "minute": 21}
